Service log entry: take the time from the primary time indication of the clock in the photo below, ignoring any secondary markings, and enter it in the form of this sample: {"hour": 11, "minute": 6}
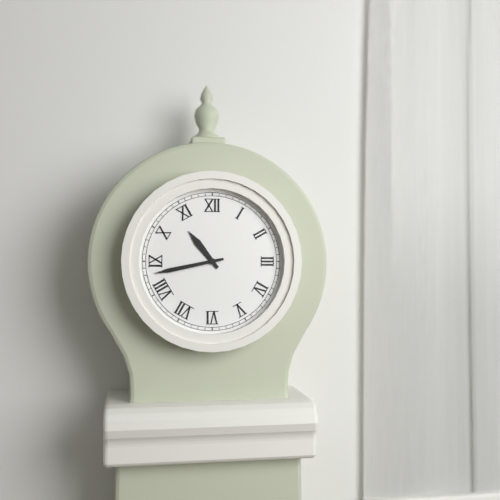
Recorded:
{"hour": 10, "minute": 43}
